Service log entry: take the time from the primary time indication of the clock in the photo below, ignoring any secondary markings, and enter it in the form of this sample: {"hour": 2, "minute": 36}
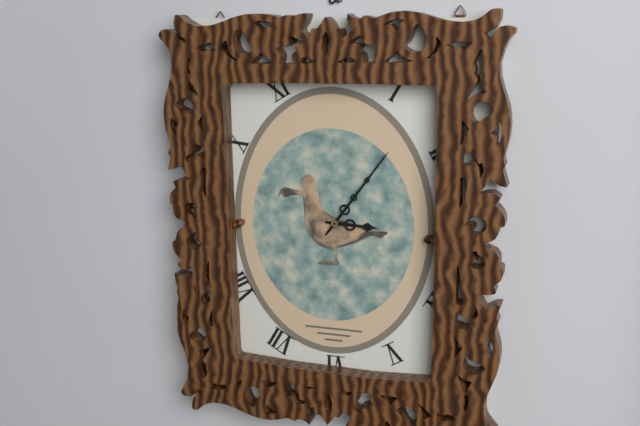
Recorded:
{"hour": 3, "minute": 6}
